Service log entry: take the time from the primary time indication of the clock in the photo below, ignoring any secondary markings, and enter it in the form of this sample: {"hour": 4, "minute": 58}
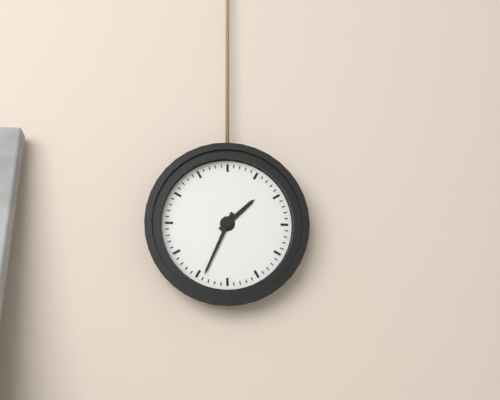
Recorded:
{"hour": 1, "minute": 34}
